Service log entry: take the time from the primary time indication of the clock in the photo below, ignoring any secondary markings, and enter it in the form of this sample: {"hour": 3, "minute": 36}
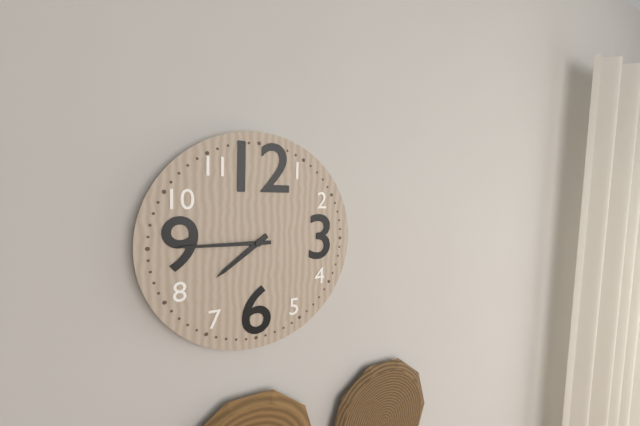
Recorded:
{"hour": 7, "minute": 45}
